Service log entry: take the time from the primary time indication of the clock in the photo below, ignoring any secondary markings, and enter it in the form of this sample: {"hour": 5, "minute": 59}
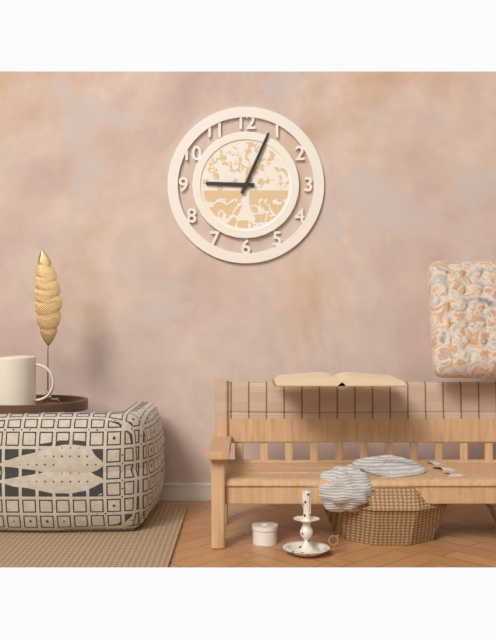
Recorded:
{"hour": 9, "minute": 4}
